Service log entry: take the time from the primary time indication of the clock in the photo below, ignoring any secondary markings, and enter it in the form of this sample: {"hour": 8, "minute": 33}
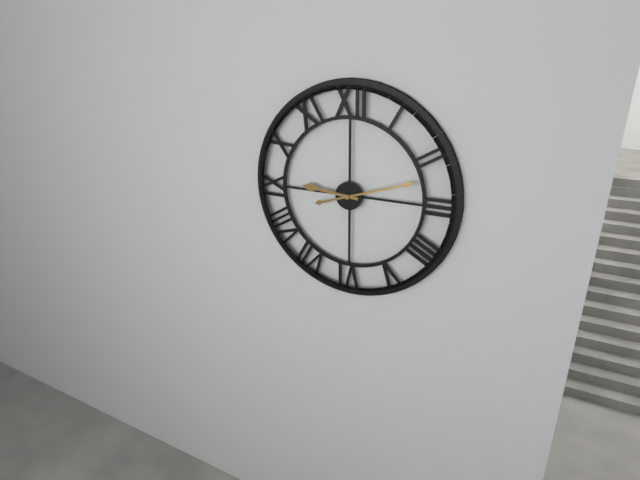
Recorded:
{"hour": 9, "minute": 12}
